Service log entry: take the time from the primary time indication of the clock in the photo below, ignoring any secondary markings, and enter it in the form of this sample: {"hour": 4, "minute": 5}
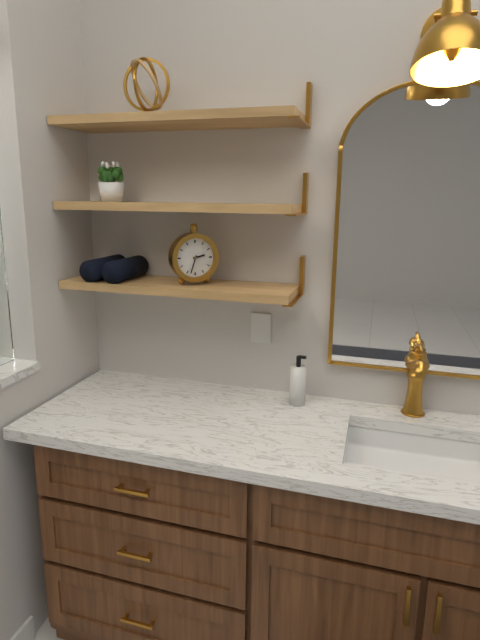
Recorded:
{"hour": 2, "minute": 33}
